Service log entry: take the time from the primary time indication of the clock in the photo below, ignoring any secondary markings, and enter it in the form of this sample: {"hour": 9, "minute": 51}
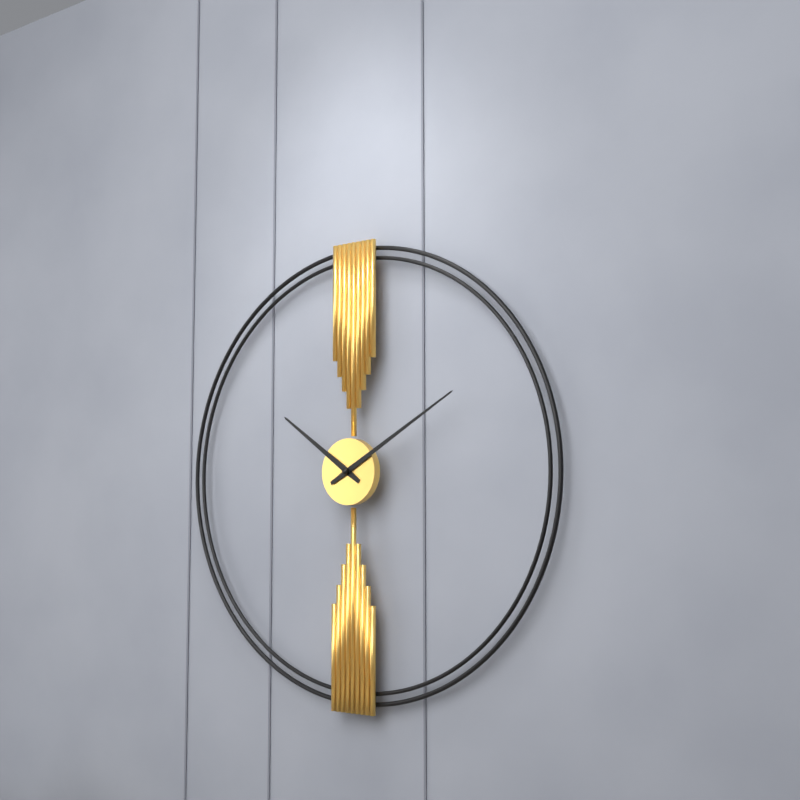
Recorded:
{"hour": 10, "minute": 10}
